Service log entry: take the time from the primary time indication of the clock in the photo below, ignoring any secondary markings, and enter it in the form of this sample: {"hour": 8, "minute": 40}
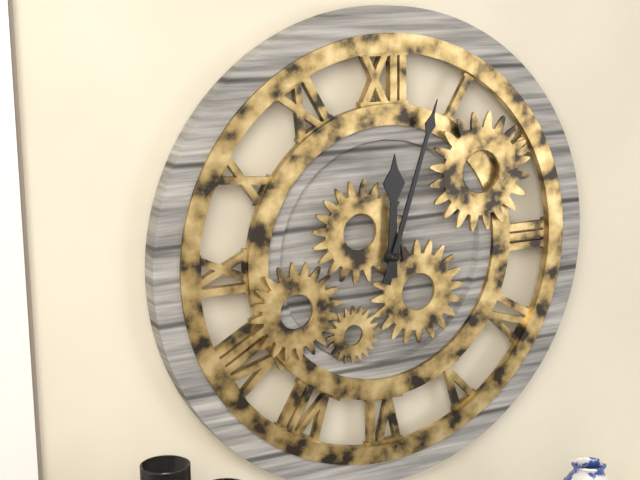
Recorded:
{"hour": 12, "minute": 3}
